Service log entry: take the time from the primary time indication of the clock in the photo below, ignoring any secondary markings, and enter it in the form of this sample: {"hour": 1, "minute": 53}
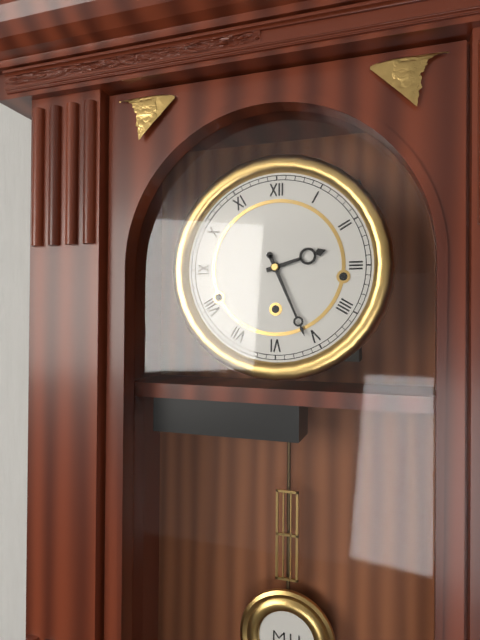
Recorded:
{"hour": 2, "minute": 26}
